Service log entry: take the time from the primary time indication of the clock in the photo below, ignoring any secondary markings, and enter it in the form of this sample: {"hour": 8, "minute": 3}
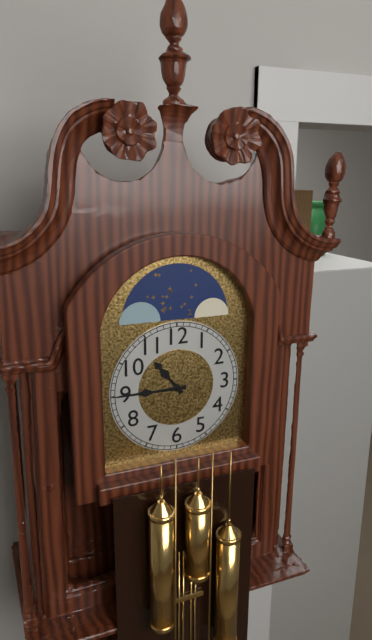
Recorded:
{"hour": 10, "minute": 45}
